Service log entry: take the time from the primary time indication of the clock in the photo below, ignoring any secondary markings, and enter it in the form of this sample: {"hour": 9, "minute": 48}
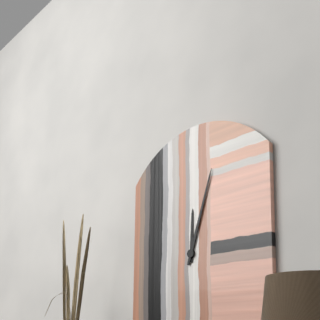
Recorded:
{"hour": 12, "minute": 3}
